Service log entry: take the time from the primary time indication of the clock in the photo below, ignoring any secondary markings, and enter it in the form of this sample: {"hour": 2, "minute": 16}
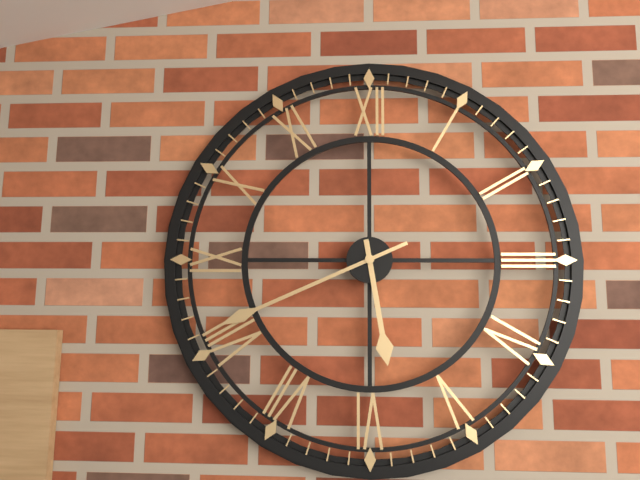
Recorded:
{"hour": 5, "minute": 41}
